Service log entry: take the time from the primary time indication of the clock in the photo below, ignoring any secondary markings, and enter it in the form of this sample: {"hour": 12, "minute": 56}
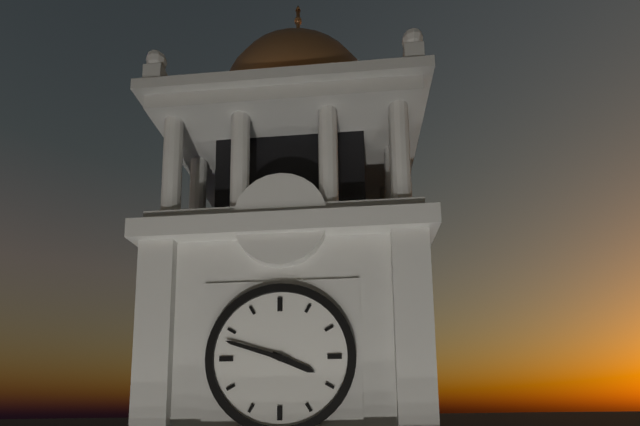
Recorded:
{"hour": 3, "minute": 48}
